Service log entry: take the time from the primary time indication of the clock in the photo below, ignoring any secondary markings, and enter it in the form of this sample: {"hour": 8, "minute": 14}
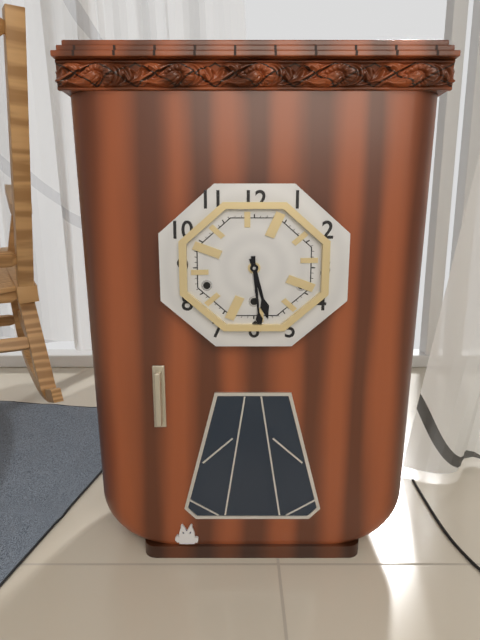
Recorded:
{"hour": 5, "minute": 29}
